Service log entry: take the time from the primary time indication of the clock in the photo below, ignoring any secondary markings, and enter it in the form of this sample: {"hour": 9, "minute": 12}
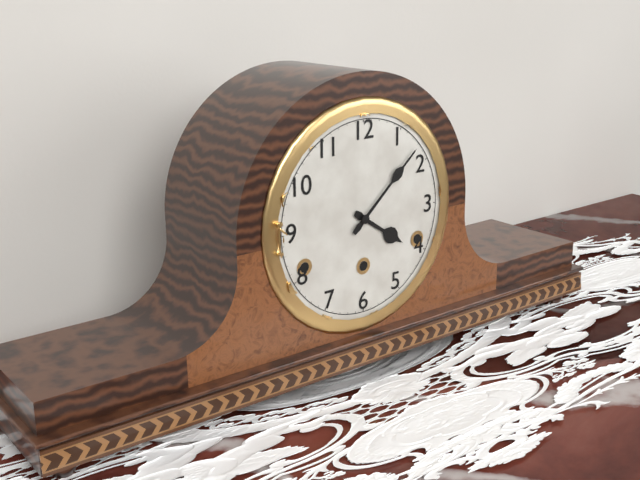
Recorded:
{"hour": 4, "minute": 8}
